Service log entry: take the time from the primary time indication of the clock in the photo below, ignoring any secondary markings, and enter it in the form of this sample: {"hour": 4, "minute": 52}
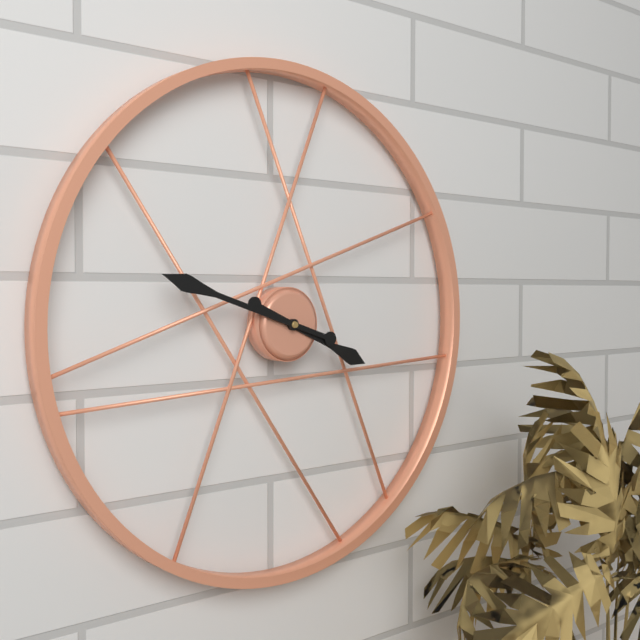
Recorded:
{"hour": 3, "minute": 48}
